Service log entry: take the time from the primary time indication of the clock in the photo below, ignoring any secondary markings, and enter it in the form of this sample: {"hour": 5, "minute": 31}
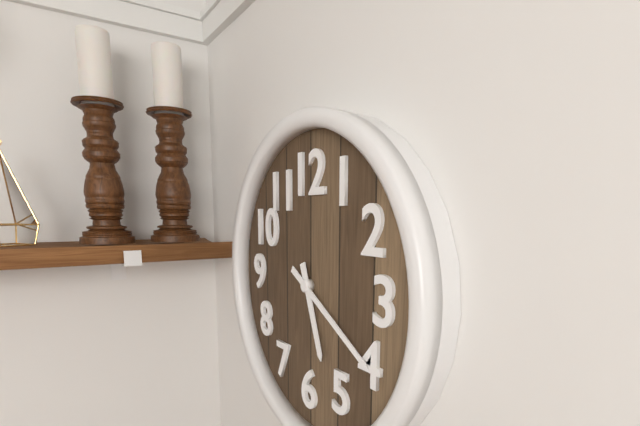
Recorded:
{"hour": 5, "minute": 20}
